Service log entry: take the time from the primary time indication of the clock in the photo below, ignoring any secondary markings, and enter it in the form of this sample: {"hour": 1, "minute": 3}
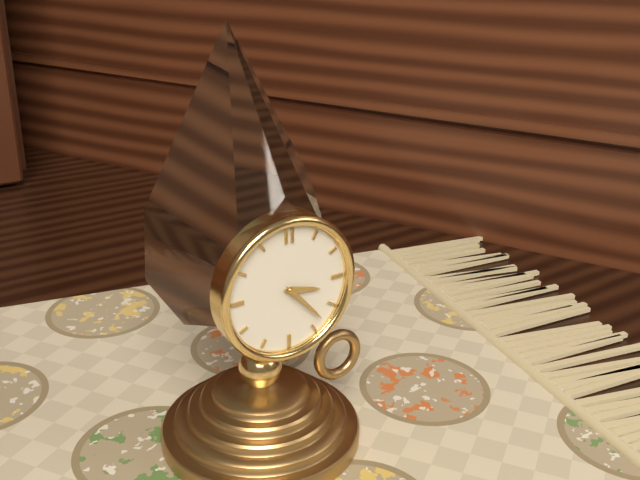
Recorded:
{"hour": 3, "minute": 23}
